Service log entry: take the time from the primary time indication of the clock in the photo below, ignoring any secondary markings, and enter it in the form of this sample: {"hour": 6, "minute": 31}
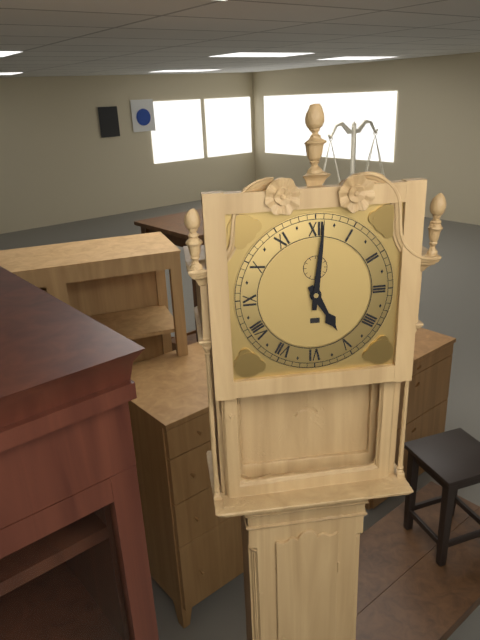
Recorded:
{"hour": 5, "minute": 1}
